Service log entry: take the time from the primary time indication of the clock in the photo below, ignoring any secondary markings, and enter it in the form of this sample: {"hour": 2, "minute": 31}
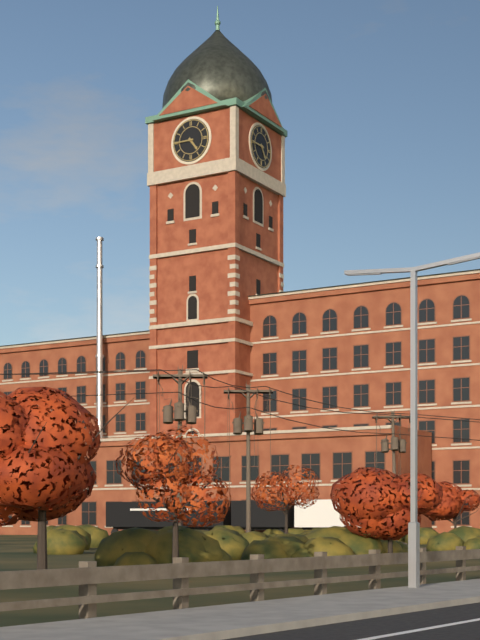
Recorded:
{"hour": 4, "minute": 45}
